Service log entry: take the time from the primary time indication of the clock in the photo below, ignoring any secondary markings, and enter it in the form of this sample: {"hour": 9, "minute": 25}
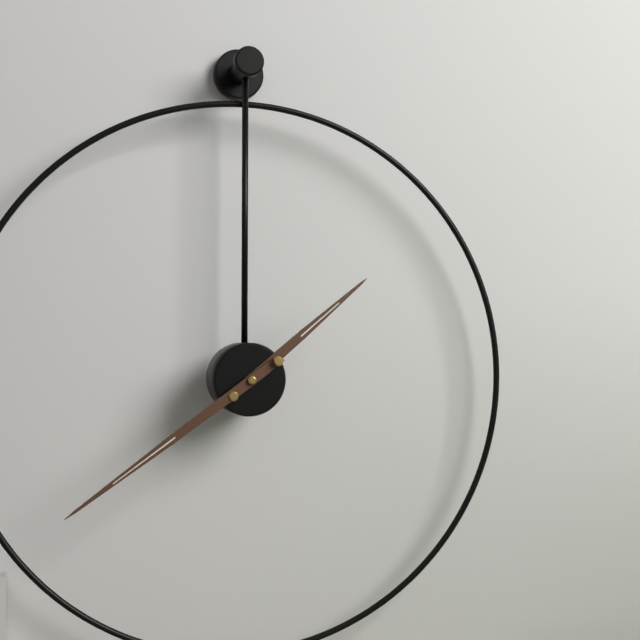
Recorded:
{"hour": 1, "minute": 39}
